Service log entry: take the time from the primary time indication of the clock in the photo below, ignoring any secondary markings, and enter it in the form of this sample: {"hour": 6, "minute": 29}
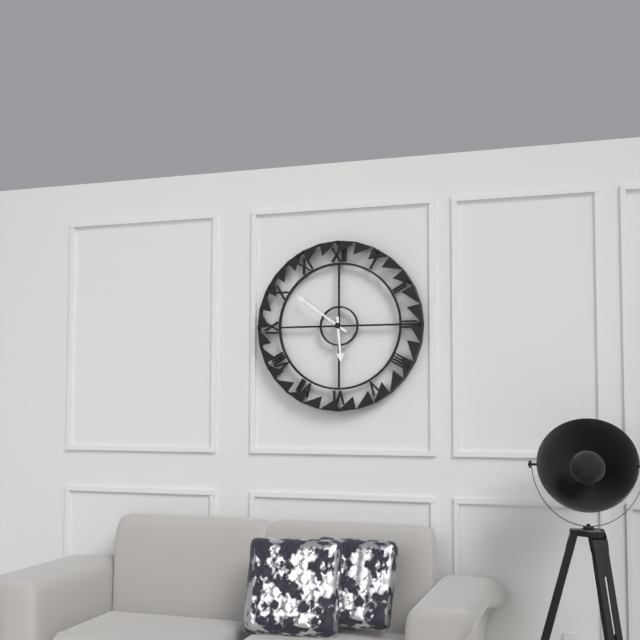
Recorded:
{"hour": 5, "minute": 51}
